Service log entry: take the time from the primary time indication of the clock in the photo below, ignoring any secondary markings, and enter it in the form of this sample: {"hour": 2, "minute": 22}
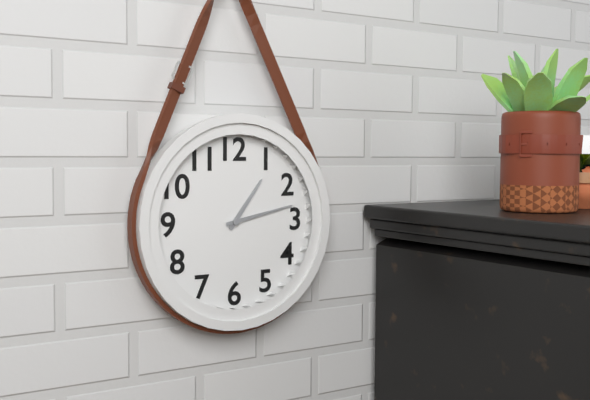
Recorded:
{"hour": 1, "minute": 13}
